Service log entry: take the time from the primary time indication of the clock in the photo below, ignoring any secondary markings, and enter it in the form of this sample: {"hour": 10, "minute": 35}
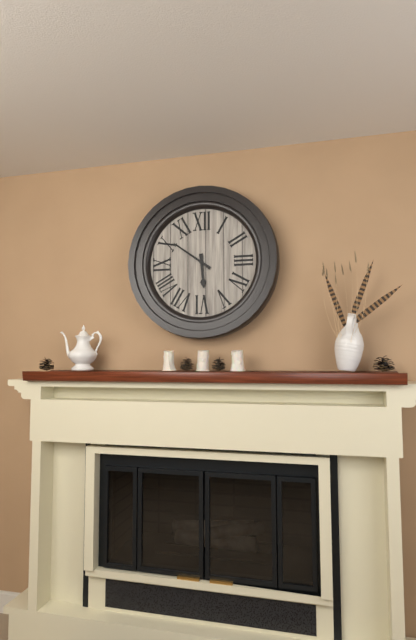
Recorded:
{"hour": 5, "minute": 51}
